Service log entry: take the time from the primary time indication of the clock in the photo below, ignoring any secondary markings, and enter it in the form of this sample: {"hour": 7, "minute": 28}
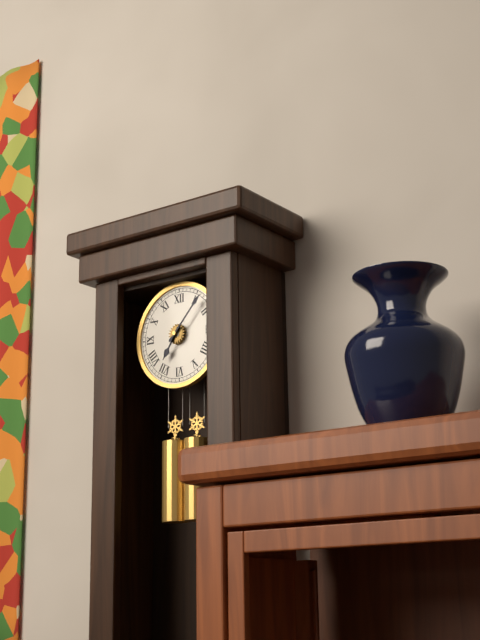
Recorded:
{"hour": 7, "minute": 7}
